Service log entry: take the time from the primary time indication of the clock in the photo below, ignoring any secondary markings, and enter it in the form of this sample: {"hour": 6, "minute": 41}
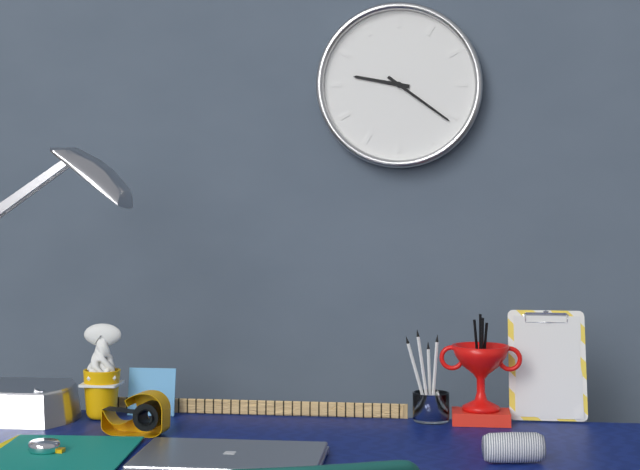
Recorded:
{"hour": 9, "minute": 21}
